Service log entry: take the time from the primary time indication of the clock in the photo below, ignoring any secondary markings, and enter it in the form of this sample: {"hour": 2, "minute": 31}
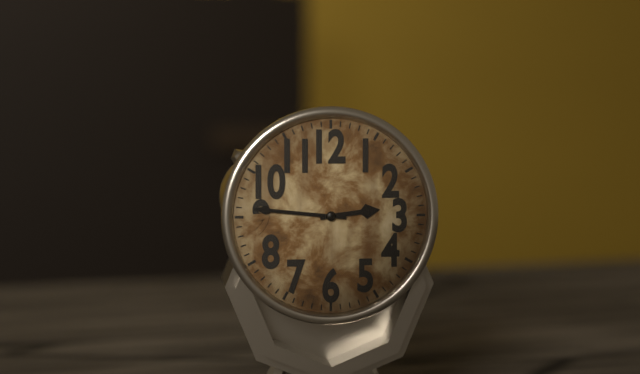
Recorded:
{"hour": 2, "minute": 46}
